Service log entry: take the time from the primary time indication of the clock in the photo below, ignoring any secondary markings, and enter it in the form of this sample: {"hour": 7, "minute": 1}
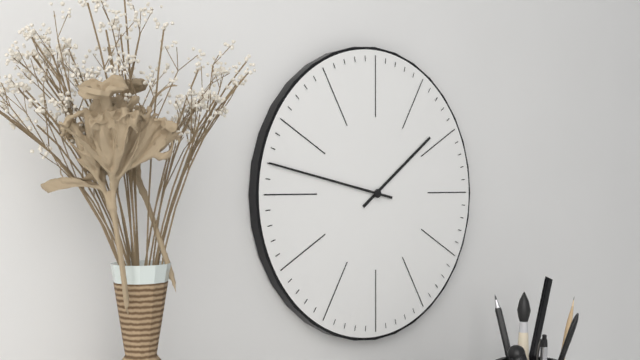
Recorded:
{"hour": 1, "minute": 47}
